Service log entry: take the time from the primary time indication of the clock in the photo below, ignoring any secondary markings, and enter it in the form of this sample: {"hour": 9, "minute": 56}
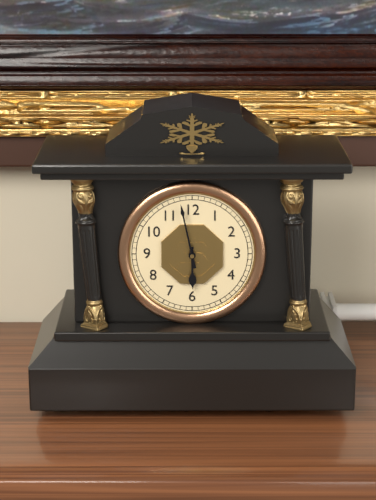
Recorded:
{"hour": 5, "minute": 58}
